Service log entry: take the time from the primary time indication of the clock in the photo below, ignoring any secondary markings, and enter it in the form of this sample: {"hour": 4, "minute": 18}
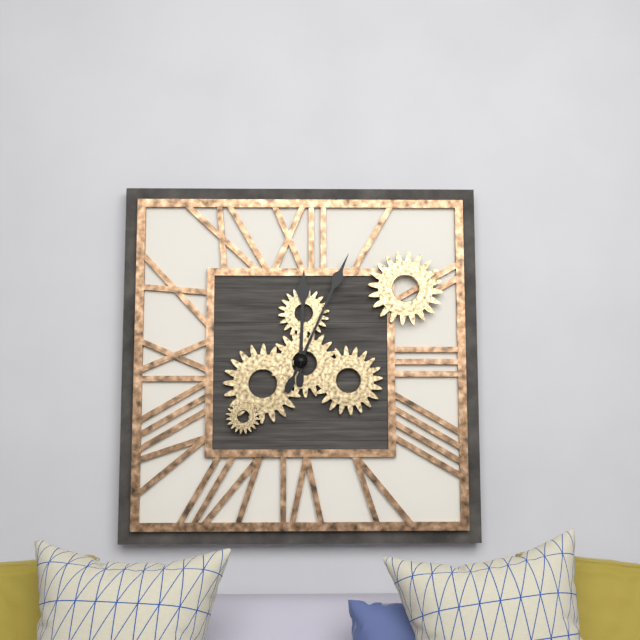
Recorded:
{"hour": 12, "minute": 4}
